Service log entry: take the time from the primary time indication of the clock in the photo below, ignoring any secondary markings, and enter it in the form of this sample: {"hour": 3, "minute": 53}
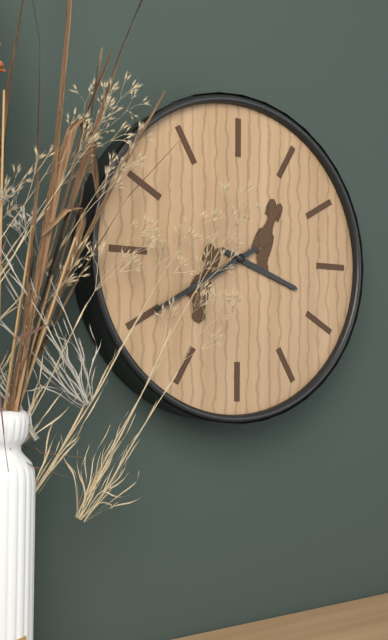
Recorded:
{"hour": 3, "minute": 40}
